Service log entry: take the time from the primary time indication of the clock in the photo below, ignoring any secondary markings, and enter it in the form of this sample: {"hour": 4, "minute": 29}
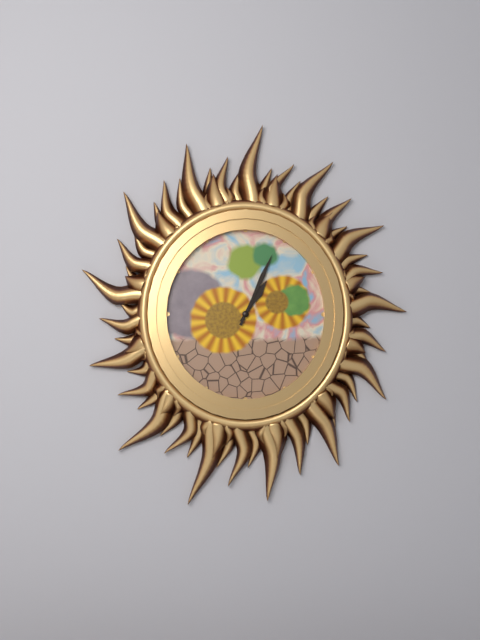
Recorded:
{"hour": 1, "minute": 4}
